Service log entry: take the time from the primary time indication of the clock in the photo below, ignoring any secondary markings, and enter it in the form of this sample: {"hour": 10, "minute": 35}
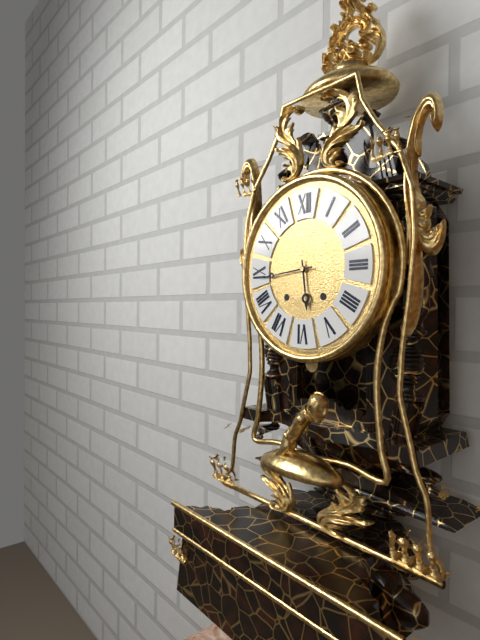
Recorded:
{"hour": 5, "minute": 44}
